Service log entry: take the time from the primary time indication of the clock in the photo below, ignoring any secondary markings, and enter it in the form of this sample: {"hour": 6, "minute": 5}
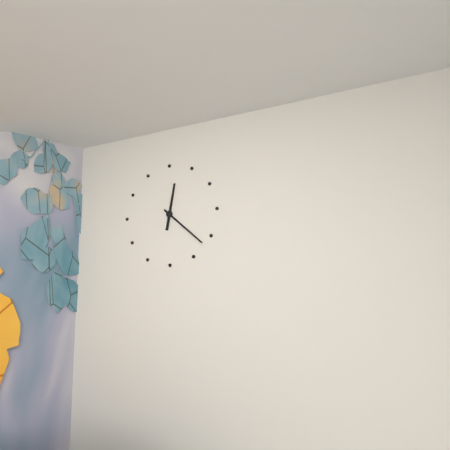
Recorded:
{"hour": 12, "minute": 22}
